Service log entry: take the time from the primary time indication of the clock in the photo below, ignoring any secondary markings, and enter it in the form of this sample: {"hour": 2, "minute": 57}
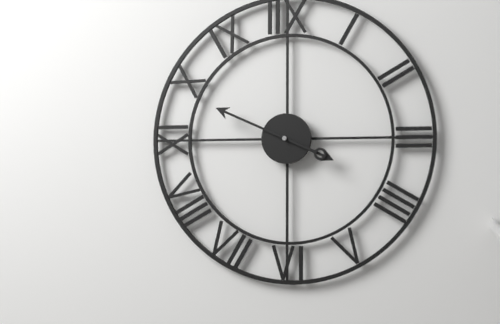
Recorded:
{"hour": 3, "minute": 49}
